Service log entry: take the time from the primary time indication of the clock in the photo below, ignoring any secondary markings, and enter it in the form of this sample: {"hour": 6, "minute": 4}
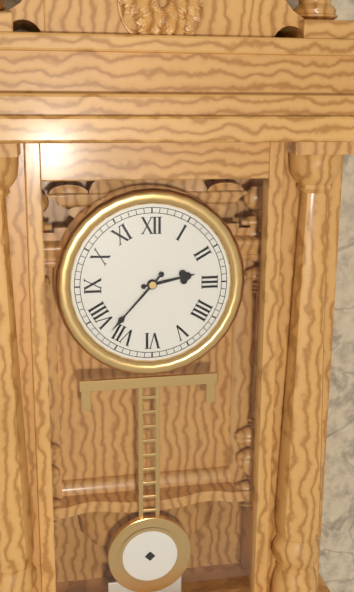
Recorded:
{"hour": 2, "minute": 37}
